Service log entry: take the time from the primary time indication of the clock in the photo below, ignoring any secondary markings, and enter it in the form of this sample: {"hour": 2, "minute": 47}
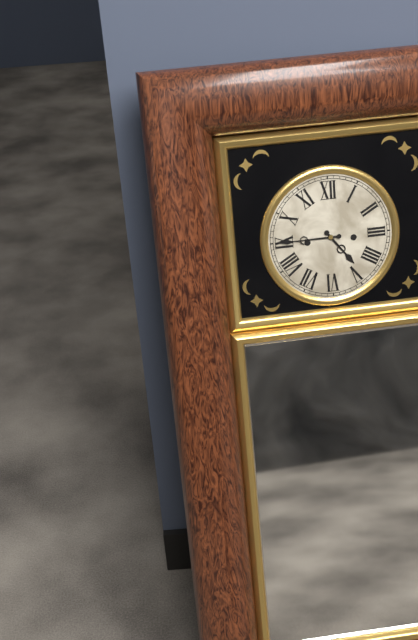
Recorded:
{"hour": 4, "minute": 45}
